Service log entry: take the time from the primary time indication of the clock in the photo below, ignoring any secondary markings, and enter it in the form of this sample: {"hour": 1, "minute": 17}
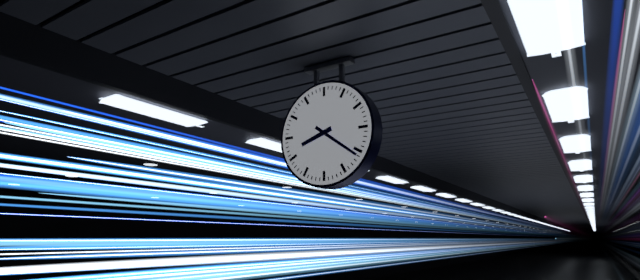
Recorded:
{"hour": 8, "minute": 21}
